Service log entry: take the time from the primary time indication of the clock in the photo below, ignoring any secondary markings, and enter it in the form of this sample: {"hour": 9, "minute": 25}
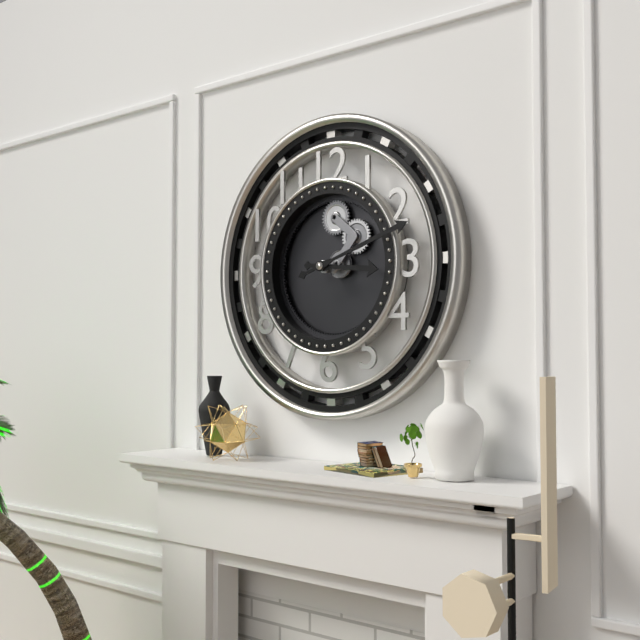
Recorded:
{"hour": 3, "minute": 12}
